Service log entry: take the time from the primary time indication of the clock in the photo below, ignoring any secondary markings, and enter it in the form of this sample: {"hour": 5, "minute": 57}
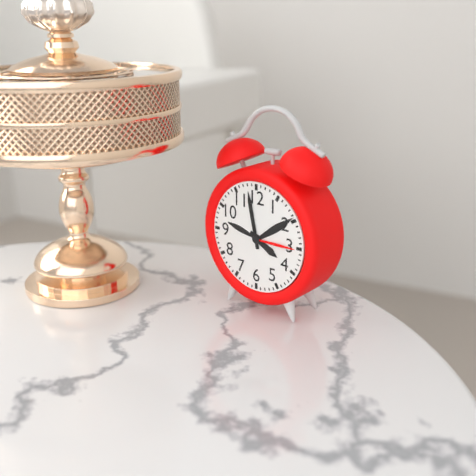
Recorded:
{"hour": 3, "minute": 58}
